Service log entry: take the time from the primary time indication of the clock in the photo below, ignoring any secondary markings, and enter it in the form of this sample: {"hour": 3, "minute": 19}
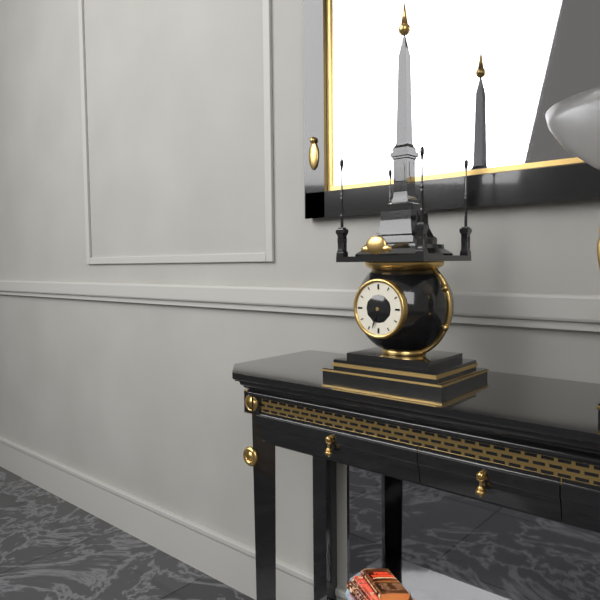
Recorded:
{"hour": 9, "minute": 33}
